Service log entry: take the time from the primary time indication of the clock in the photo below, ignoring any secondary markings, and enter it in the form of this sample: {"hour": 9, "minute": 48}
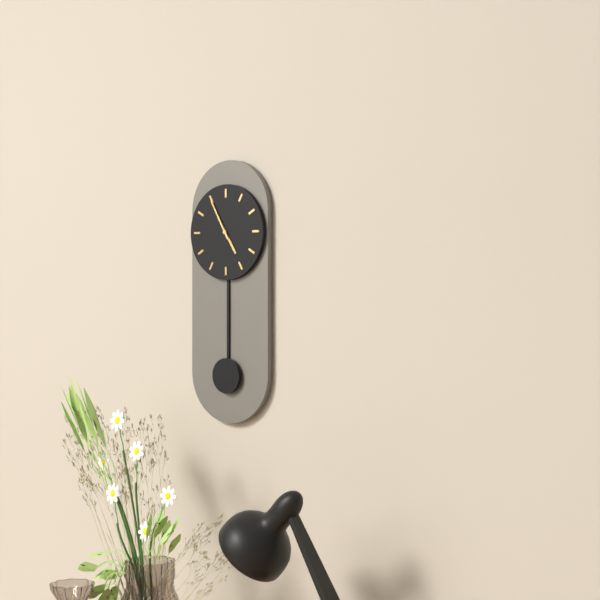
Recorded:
{"hour": 4, "minute": 55}
